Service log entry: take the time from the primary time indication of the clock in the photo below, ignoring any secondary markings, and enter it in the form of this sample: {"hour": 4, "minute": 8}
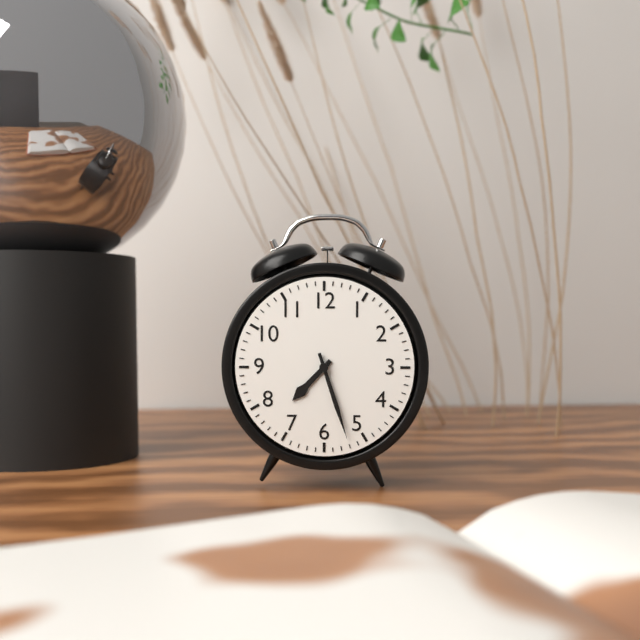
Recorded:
{"hour": 7, "minute": 27}
